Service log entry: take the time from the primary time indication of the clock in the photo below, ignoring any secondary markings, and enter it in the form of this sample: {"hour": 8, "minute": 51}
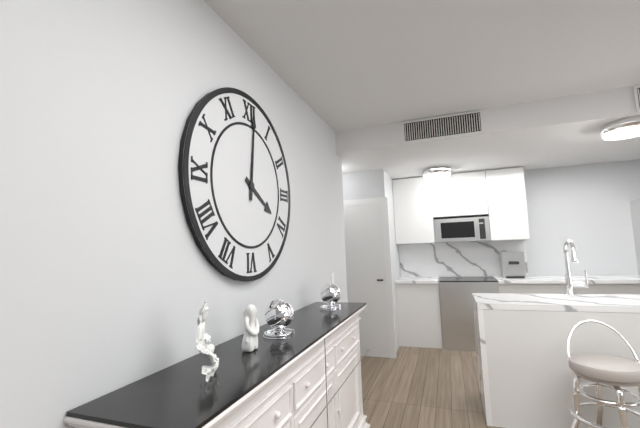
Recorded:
{"hour": 4, "minute": 1}
